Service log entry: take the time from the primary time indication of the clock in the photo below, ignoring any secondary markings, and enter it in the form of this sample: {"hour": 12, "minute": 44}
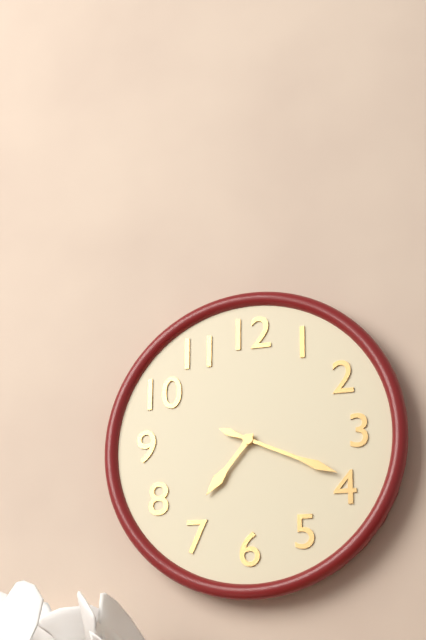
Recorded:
{"hour": 7, "minute": 19}
